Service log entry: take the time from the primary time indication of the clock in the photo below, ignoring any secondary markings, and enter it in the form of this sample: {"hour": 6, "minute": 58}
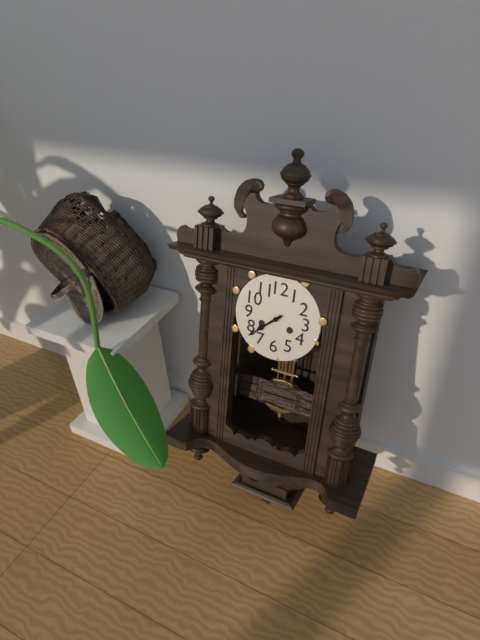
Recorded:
{"hour": 7, "minute": 38}
